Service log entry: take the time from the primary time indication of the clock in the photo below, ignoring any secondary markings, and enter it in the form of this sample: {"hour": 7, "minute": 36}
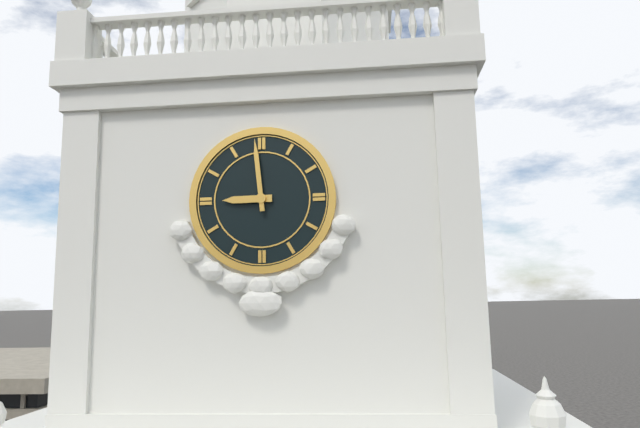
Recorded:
{"hour": 8, "minute": 59}
